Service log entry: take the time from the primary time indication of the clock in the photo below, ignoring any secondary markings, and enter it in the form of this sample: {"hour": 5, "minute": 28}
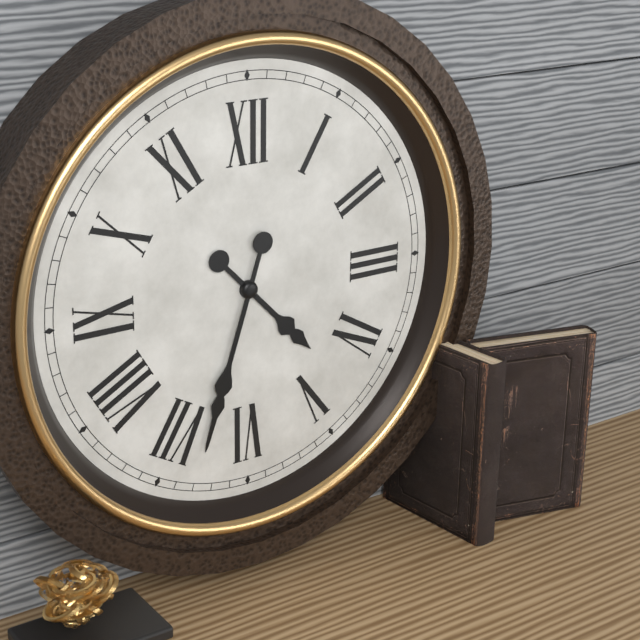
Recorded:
{"hour": 4, "minute": 33}
